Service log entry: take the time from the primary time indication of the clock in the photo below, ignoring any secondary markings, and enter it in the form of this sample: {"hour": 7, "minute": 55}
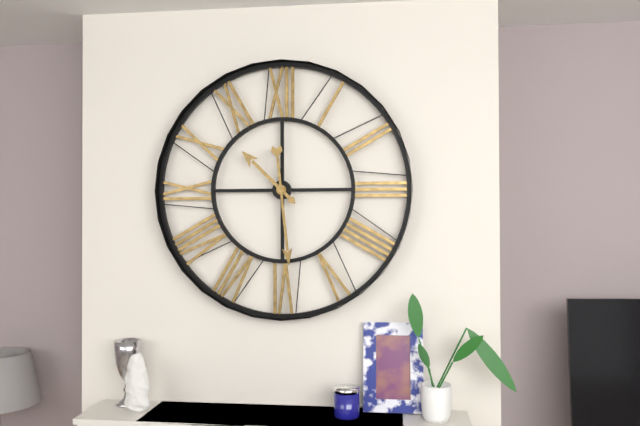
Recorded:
{"hour": 10, "minute": 29}
